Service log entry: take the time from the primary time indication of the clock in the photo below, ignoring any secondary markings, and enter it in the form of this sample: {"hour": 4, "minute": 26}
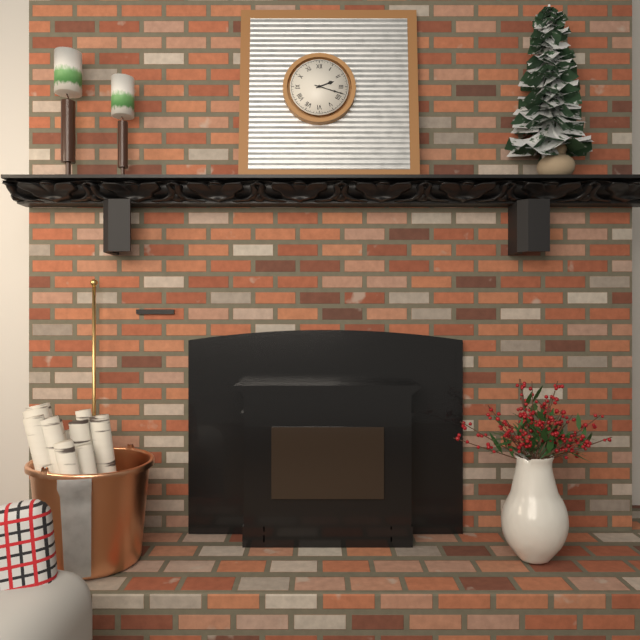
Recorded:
{"hour": 2, "minute": 18}
